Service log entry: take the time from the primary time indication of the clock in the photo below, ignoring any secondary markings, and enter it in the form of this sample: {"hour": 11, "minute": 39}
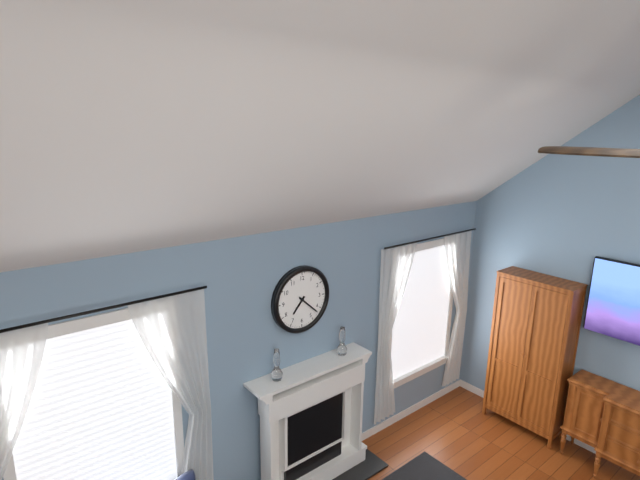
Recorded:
{"hour": 7, "minute": 22}
